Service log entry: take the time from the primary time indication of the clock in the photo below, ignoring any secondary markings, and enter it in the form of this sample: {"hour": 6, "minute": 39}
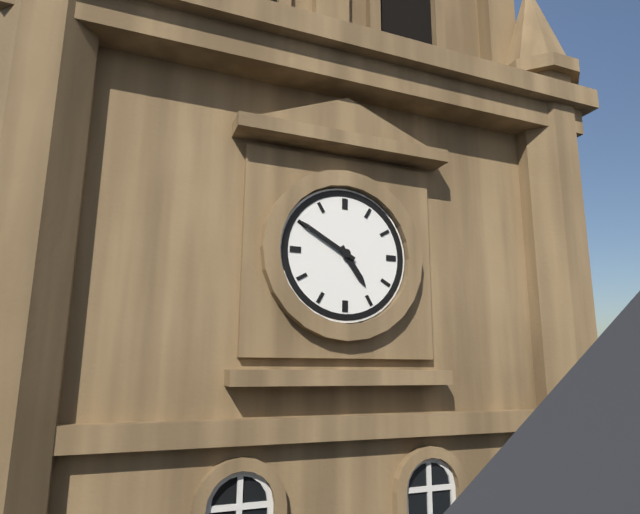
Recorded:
{"hour": 4, "minute": 50}
